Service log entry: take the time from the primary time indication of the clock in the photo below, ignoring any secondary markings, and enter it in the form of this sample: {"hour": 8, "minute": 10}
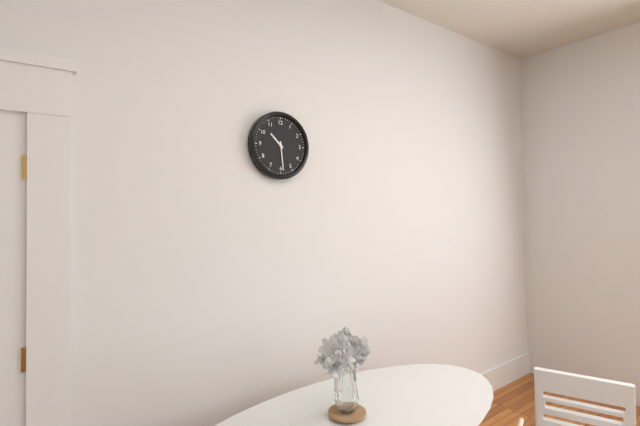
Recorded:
{"hour": 10, "minute": 29}
